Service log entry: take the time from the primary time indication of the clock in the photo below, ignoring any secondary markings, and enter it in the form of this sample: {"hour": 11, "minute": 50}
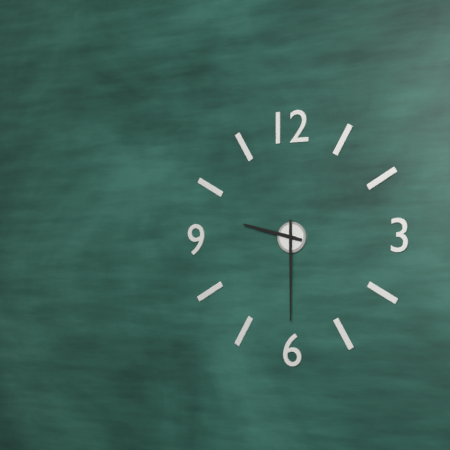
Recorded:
{"hour": 9, "minute": 30}
